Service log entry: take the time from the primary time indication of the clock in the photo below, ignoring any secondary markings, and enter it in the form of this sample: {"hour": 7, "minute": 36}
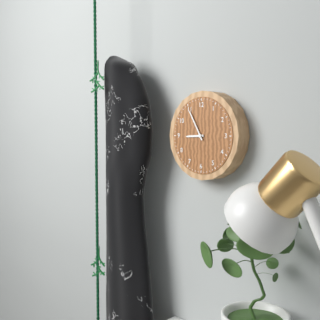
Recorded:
{"hour": 8, "minute": 55}
